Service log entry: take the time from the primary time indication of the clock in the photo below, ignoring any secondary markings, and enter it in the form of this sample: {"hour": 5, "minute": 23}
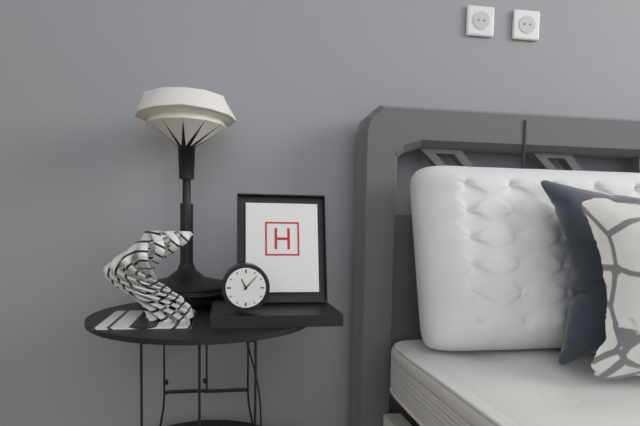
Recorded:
{"hour": 11, "minute": 7}
